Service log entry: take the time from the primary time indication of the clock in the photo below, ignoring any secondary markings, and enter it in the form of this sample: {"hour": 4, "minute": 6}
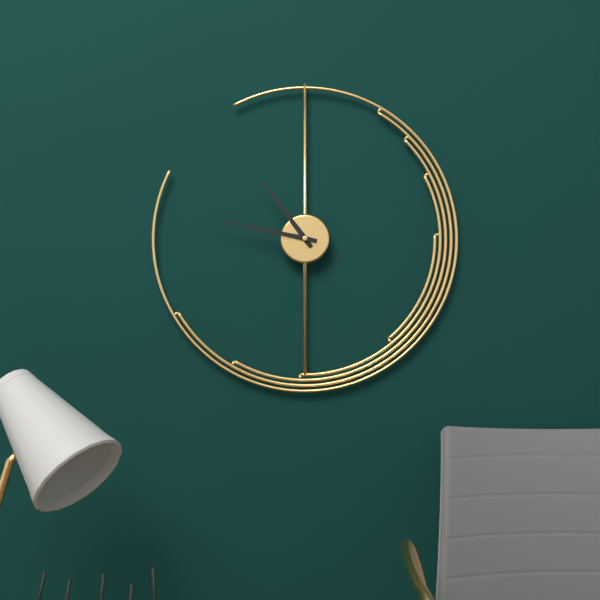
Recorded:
{"hour": 10, "minute": 47}
